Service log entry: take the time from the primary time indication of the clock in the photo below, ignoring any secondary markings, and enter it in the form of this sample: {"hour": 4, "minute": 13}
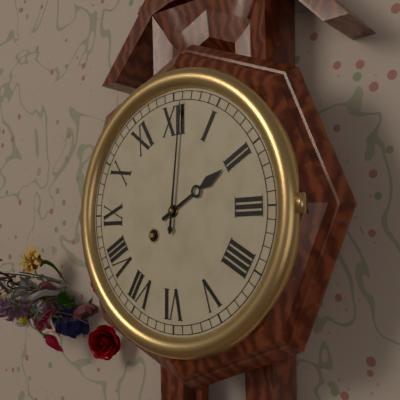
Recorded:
{"hour": 2, "minute": 1}
